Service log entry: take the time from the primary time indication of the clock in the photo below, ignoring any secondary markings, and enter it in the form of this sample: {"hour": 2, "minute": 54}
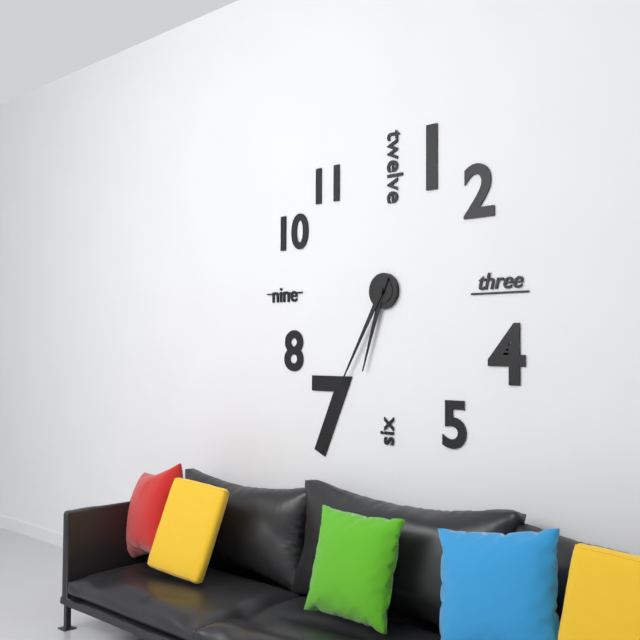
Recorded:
{"hour": 6, "minute": 35}
